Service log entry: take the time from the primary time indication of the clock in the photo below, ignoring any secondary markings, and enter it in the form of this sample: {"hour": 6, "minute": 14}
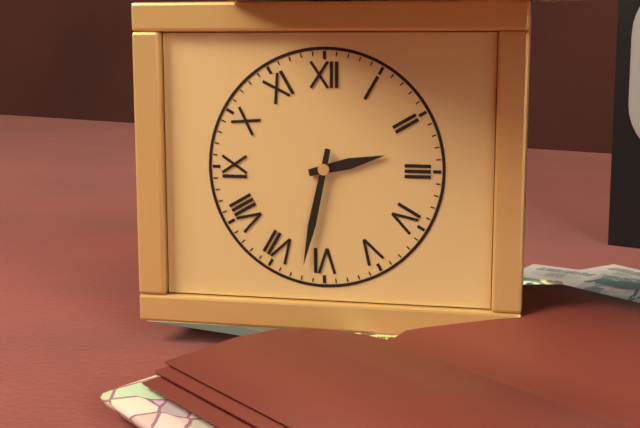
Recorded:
{"hour": 2, "minute": 32}
